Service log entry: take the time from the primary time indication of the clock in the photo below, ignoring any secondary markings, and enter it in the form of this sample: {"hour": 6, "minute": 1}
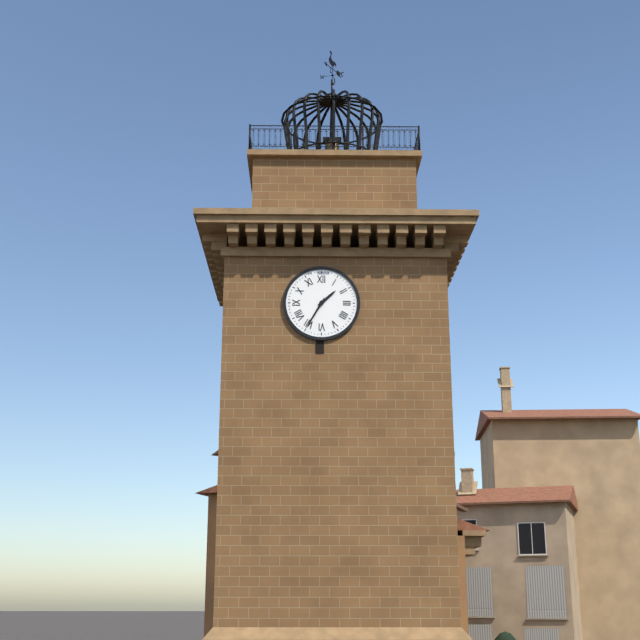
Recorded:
{"hour": 1, "minute": 35}
